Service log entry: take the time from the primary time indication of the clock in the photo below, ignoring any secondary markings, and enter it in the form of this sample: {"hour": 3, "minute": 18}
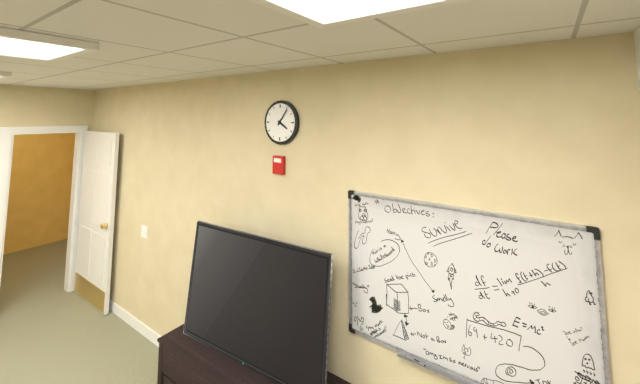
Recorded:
{"hour": 4, "minute": 6}
